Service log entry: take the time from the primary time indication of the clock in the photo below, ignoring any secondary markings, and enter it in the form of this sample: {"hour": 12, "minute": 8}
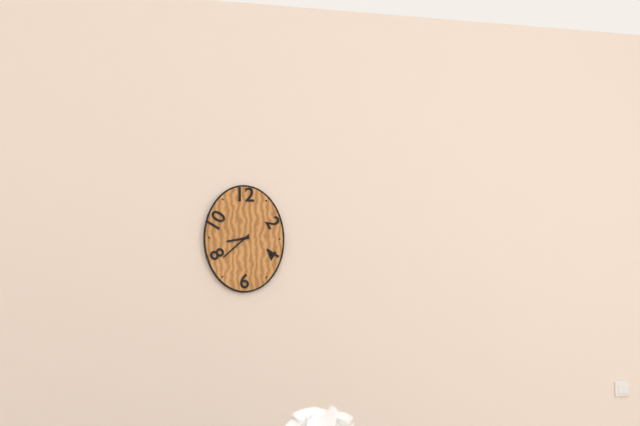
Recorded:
{"hour": 8, "minute": 38}
